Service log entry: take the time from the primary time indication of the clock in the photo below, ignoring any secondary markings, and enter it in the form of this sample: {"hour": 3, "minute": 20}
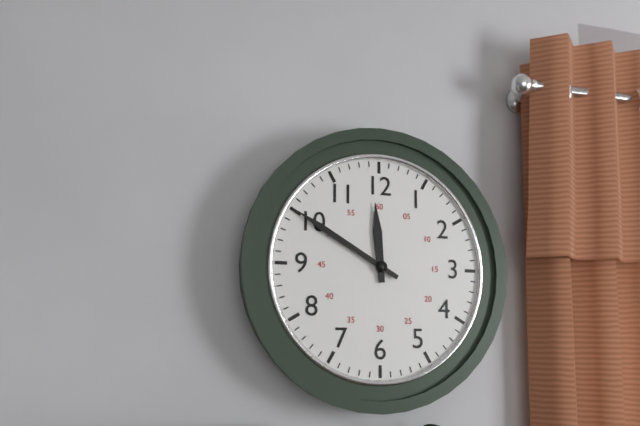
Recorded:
{"hour": 11, "minute": 50}
